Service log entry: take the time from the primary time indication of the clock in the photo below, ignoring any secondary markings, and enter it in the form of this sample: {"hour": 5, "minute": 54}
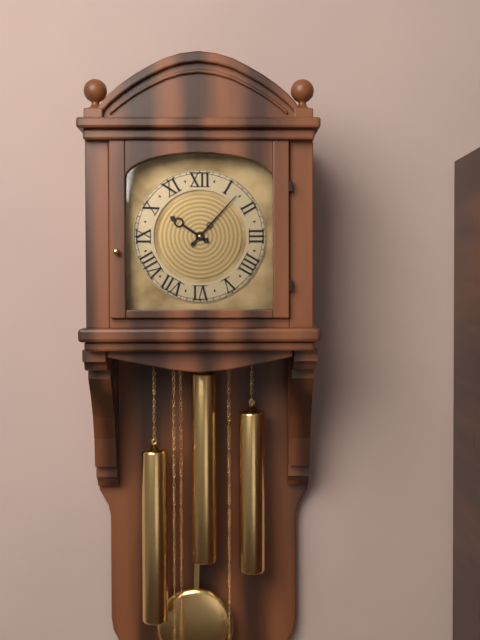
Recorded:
{"hour": 10, "minute": 7}
